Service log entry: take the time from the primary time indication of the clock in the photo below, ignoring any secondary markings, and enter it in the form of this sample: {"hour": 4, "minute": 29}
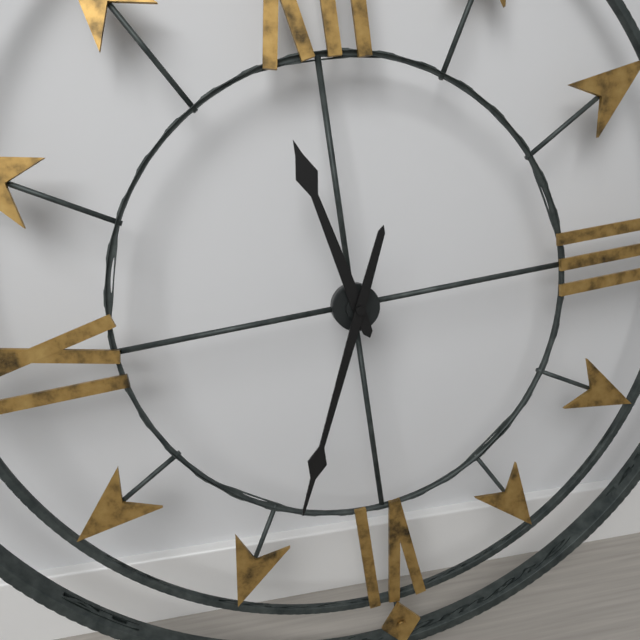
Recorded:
{"hour": 11, "minute": 34}
